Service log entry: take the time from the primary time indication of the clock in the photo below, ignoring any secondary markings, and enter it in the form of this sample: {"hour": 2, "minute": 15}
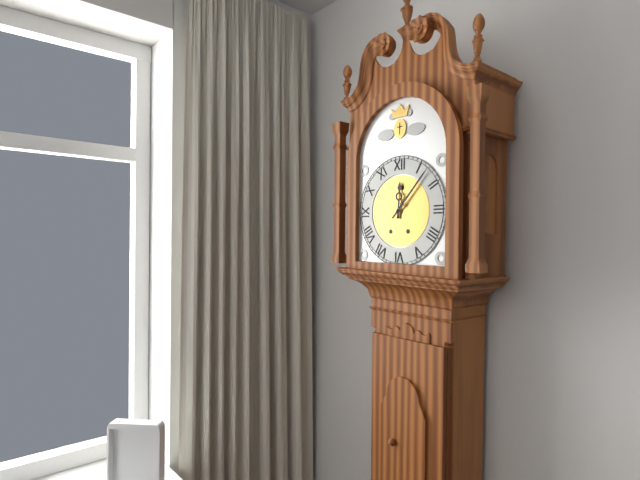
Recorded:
{"hour": 12, "minute": 7}
